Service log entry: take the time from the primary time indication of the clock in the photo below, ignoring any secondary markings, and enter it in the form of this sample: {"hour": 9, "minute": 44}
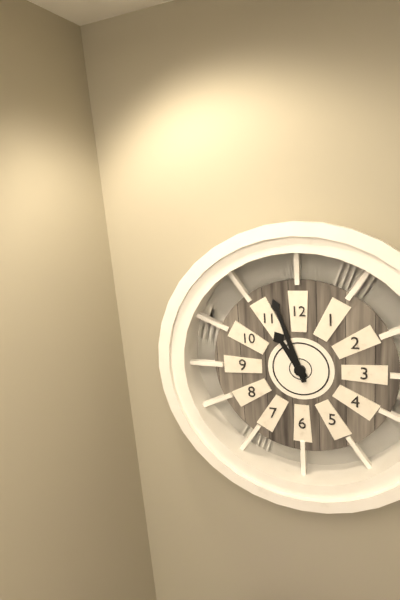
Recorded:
{"hour": 10, "minute": 57}
